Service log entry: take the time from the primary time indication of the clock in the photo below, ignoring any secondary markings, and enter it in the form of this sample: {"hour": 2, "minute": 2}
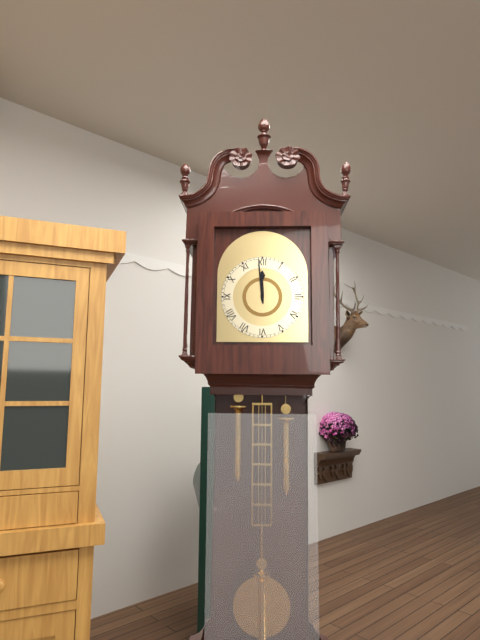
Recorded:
{"hour": 11, "minute": 59}
